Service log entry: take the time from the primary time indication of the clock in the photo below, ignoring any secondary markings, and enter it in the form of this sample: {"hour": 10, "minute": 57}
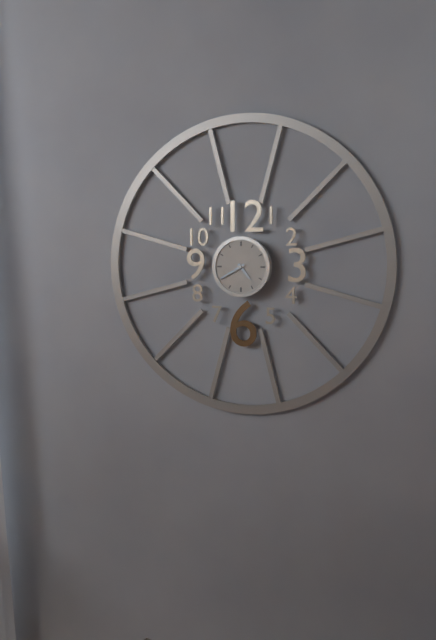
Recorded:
{"hour": 4, "minute": 40}
